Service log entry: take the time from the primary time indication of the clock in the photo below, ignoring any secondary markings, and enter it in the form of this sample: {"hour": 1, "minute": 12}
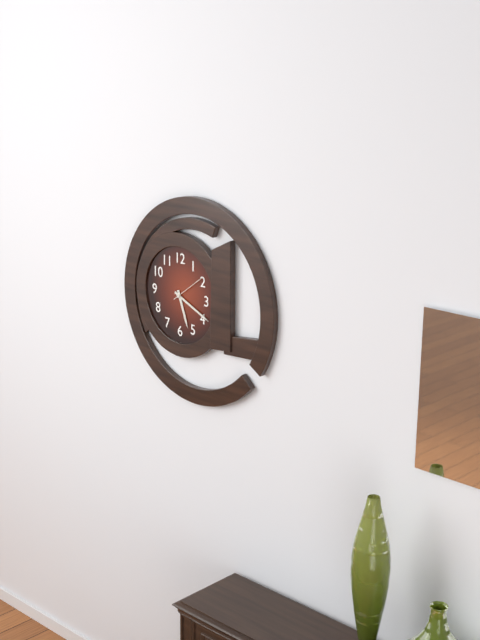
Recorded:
{"hour": 5, "minute": 19}
